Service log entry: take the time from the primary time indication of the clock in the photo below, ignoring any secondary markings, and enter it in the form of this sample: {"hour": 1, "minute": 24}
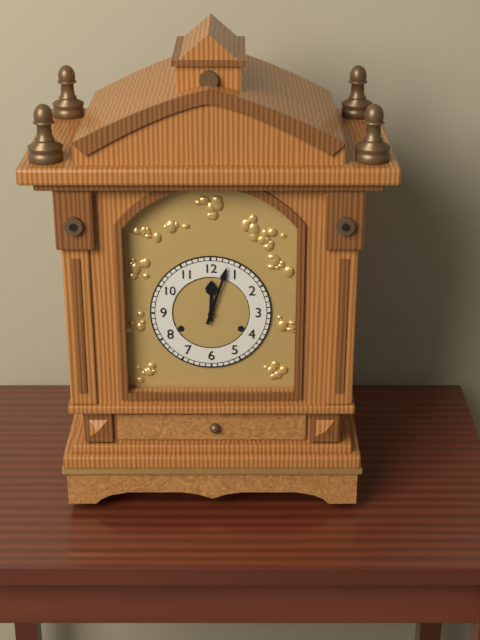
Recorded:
{"hour": 12, "minute": 3}
